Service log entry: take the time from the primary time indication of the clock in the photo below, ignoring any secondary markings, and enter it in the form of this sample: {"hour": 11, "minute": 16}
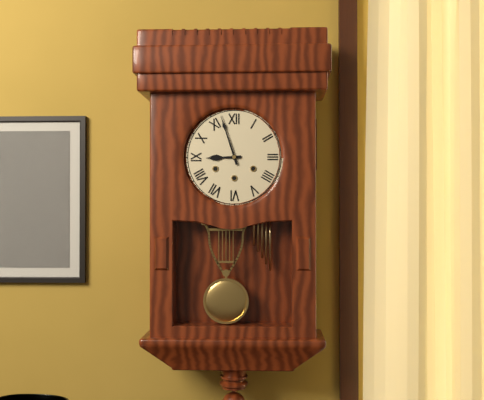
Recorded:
{"hour": 8, "minute": 57}
